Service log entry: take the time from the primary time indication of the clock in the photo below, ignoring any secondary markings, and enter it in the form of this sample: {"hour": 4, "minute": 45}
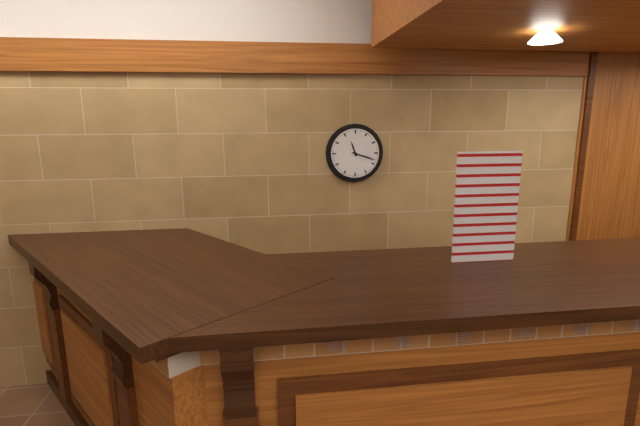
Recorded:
{"hour": 11, "minute": 18}
